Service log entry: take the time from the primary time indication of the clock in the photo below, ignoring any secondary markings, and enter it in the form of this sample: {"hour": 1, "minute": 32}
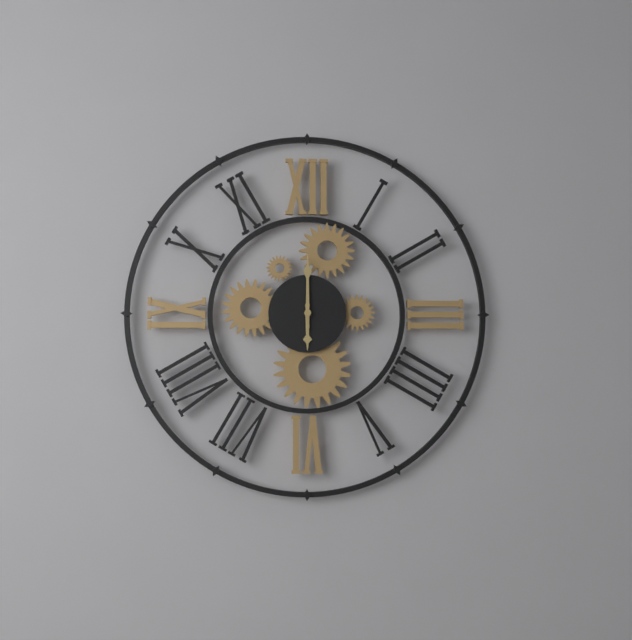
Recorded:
{"hour": 6, "minute": 0}
